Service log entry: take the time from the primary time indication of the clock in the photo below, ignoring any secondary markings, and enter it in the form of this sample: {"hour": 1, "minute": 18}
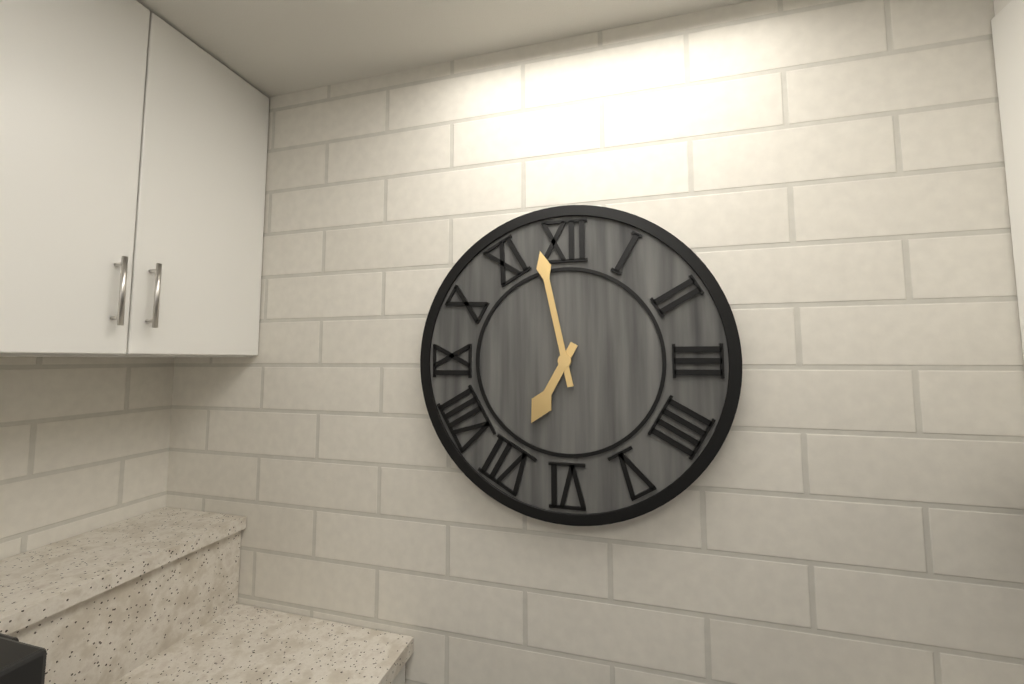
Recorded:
{"hour": 6, "minute": 58}
